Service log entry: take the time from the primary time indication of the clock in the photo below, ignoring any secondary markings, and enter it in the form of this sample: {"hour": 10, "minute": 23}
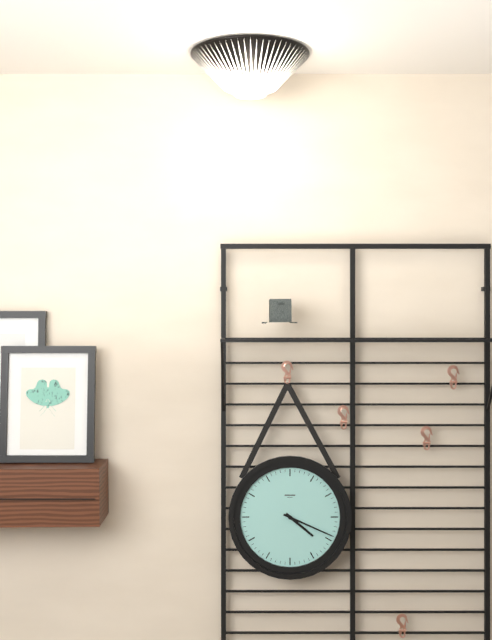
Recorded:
{"hour": 4, "minute": 19}
